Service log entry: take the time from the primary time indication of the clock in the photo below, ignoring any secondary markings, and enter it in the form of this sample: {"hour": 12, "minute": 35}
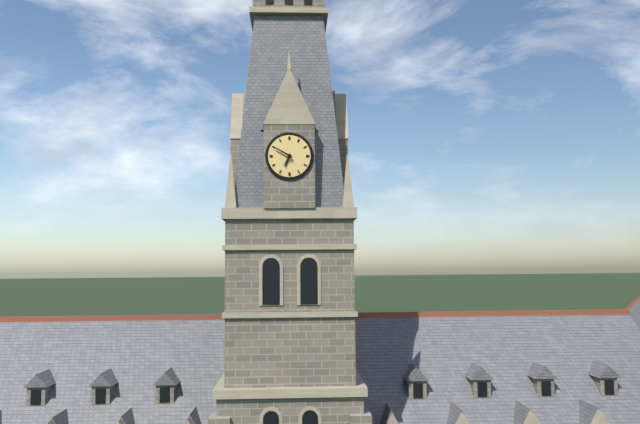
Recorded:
{"hour": 6, "minute": 50}
